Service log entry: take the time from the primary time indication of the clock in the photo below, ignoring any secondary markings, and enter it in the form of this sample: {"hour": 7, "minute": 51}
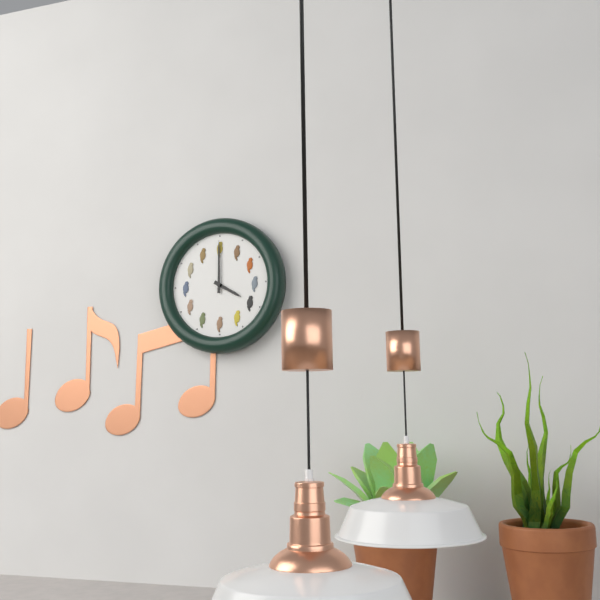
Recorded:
{"hour": 4, "minute": 0}
